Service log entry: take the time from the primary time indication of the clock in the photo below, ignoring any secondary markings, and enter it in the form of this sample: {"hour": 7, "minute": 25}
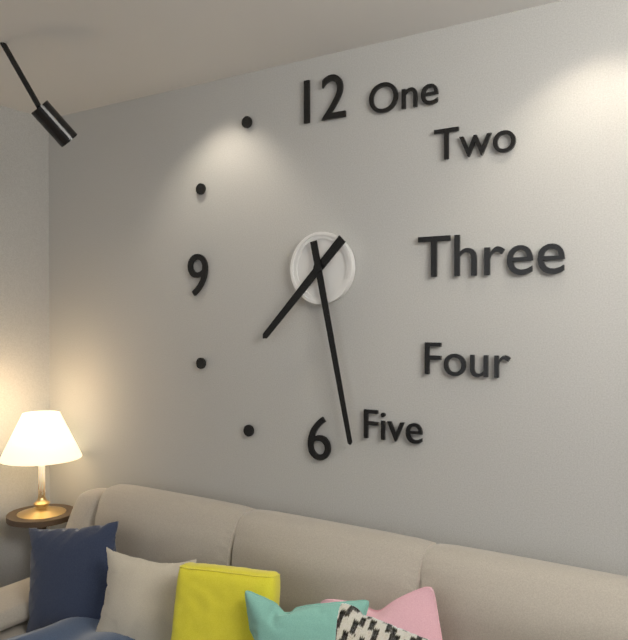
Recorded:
{"hour": 7, "minute": 28}
